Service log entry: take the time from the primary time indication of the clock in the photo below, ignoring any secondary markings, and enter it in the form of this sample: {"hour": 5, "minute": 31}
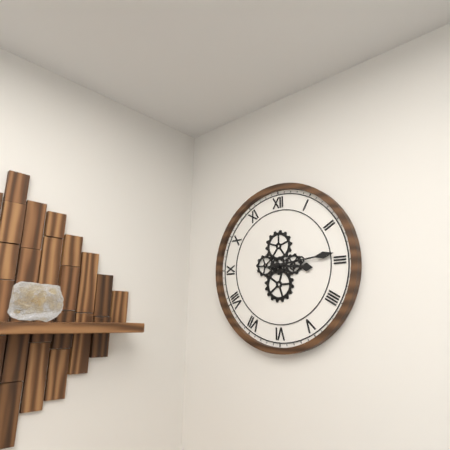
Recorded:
{"hour": 3, "minute": 14}
